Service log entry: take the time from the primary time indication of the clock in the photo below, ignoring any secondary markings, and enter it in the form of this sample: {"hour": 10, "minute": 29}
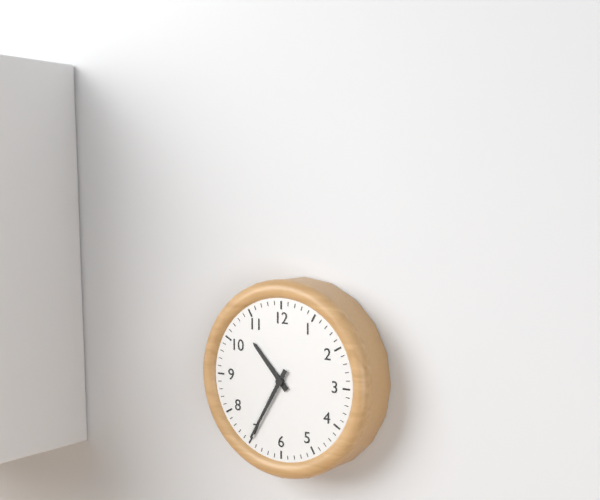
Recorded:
{"hour": 10, "minute": 35}
